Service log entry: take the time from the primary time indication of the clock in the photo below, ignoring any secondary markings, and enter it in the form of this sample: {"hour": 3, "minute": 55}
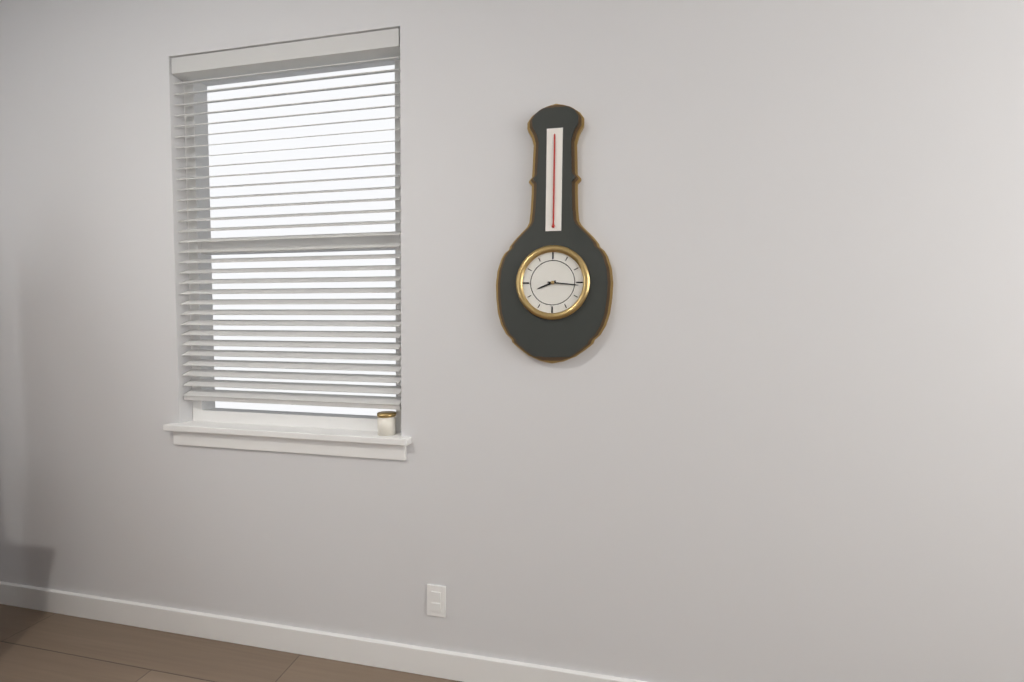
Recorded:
{"hour": 8, "minute": 16}
